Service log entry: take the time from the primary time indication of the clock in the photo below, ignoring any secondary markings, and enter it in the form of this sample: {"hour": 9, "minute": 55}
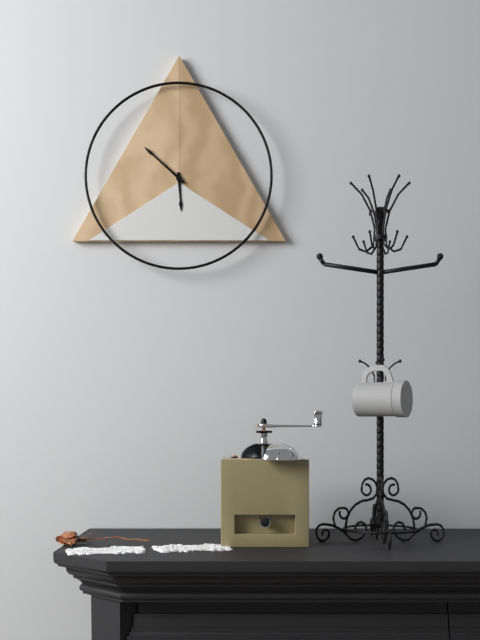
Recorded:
{"hour": 5, "minute": 52}
